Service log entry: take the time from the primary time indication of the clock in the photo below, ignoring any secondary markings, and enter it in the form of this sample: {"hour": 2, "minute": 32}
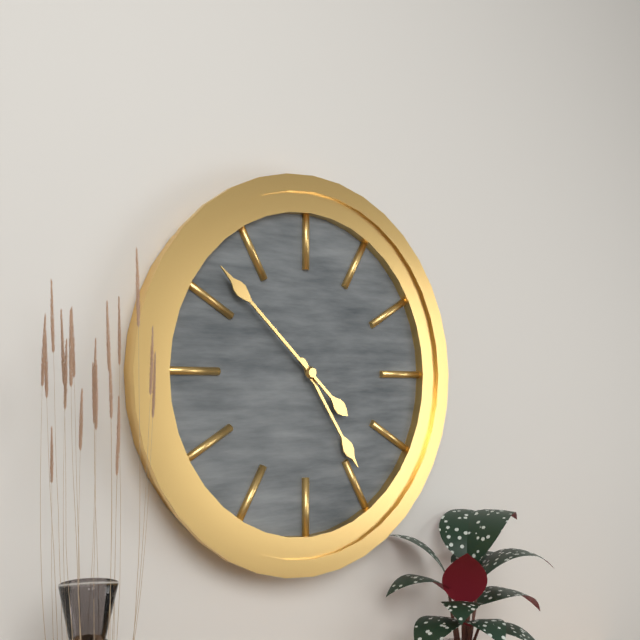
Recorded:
{"hour": 4, "minute": 52}
